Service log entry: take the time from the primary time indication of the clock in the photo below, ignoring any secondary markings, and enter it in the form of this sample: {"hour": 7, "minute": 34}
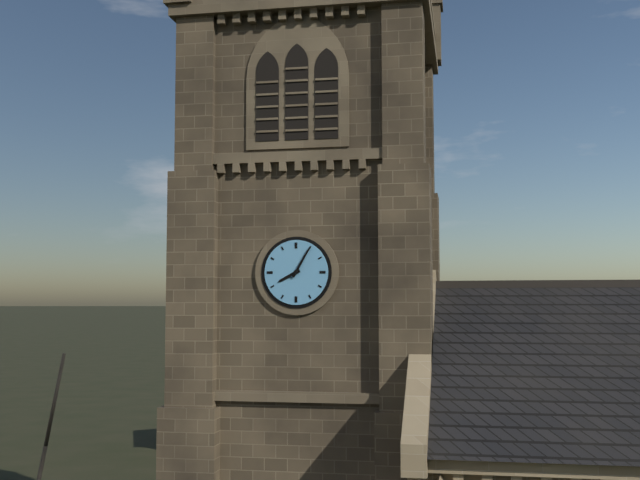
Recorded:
{"hour": 8, "minute": 5}
